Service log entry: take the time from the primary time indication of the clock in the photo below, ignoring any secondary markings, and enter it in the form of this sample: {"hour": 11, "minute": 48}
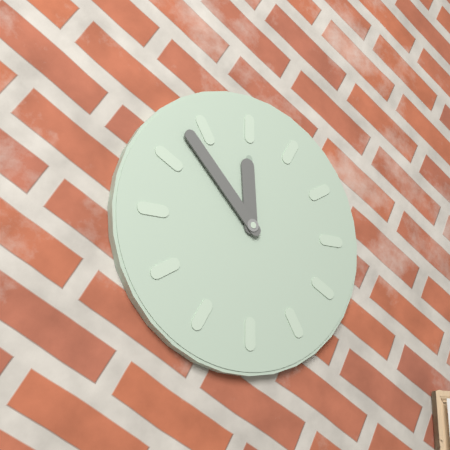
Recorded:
{"hour": 11, "minute": 53}
